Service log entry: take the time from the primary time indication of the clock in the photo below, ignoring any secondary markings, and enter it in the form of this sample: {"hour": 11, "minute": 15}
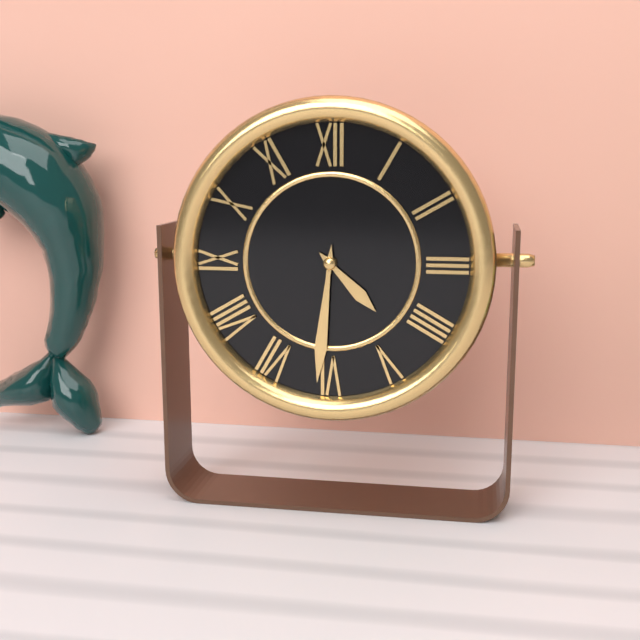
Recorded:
{"hour": 4, "minute": 31}
